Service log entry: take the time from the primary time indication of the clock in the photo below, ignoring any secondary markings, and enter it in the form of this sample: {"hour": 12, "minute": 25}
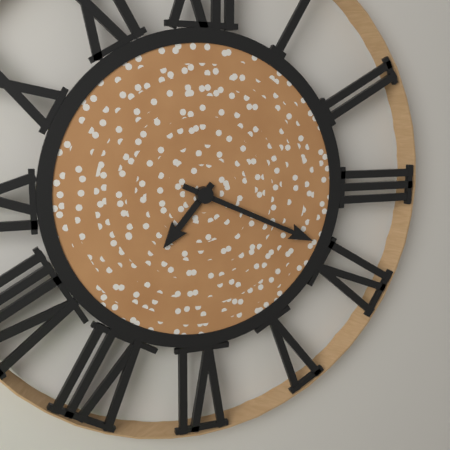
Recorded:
{"hour": 7, "minute": 19}
